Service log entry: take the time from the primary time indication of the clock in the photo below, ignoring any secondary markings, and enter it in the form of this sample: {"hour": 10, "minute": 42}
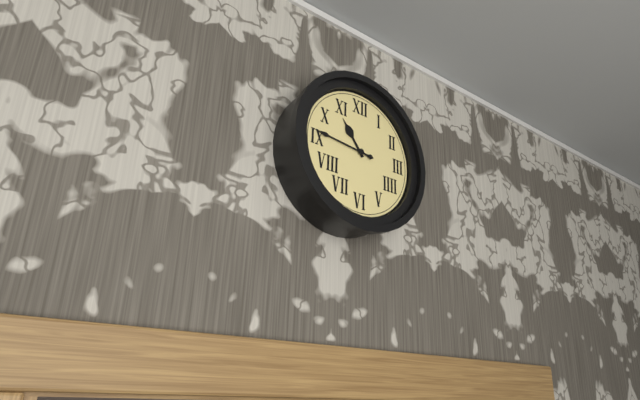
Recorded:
{"hour": 10, "minute": 46}
